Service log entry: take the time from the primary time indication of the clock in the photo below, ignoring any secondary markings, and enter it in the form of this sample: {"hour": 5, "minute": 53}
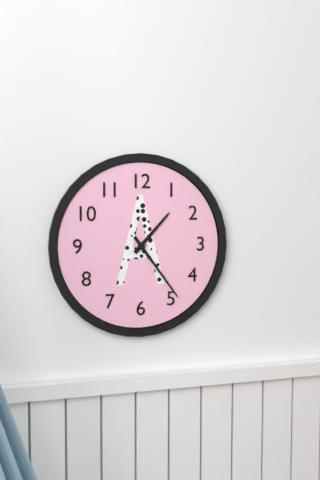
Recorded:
{"hour": 1, "minute": 24}
